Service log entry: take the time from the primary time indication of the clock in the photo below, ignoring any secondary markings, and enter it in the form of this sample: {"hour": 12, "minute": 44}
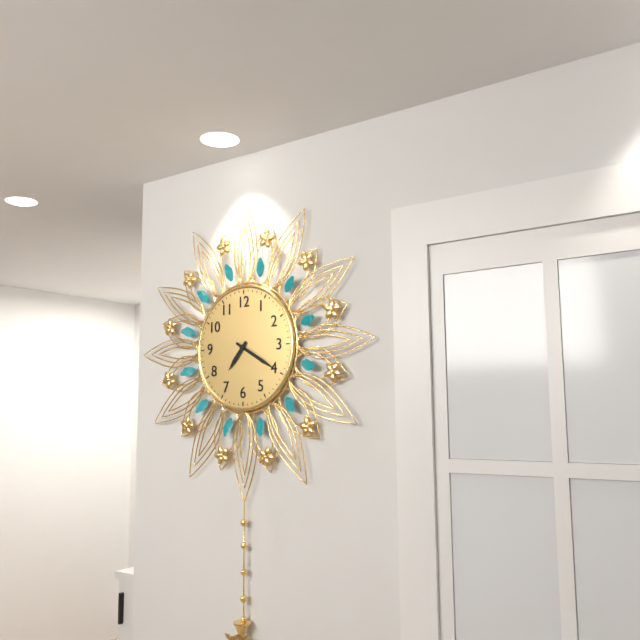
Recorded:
{"hour": 7, "minute": 20}
